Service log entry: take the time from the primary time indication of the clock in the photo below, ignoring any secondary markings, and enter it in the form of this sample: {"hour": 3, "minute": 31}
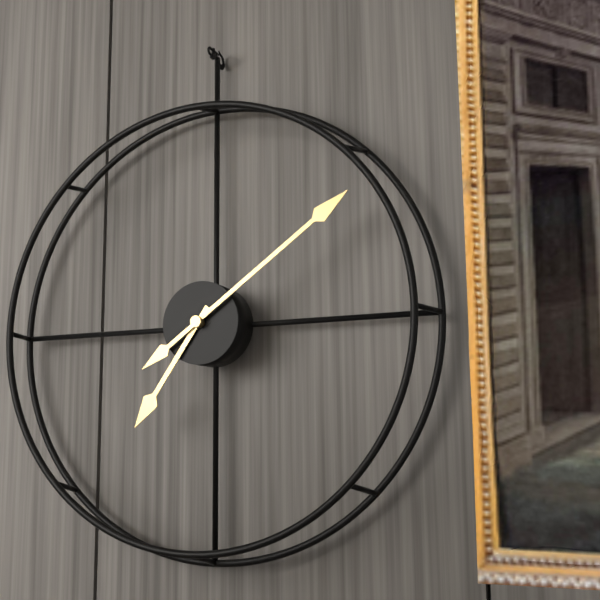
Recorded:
{"hour": 7, "minute": 9}
